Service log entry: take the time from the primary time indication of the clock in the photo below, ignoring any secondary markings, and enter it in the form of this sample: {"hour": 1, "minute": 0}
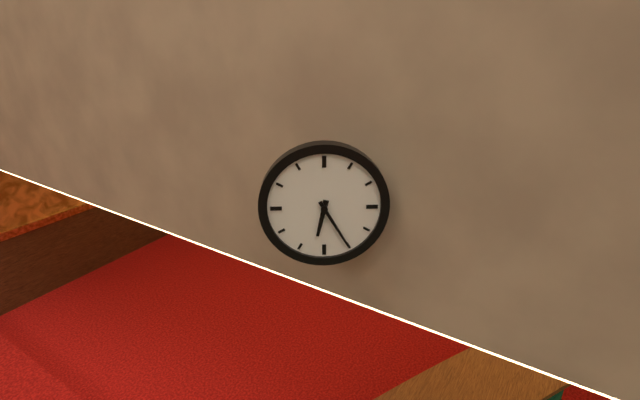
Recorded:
{"hour": 6, "minute": 25}
